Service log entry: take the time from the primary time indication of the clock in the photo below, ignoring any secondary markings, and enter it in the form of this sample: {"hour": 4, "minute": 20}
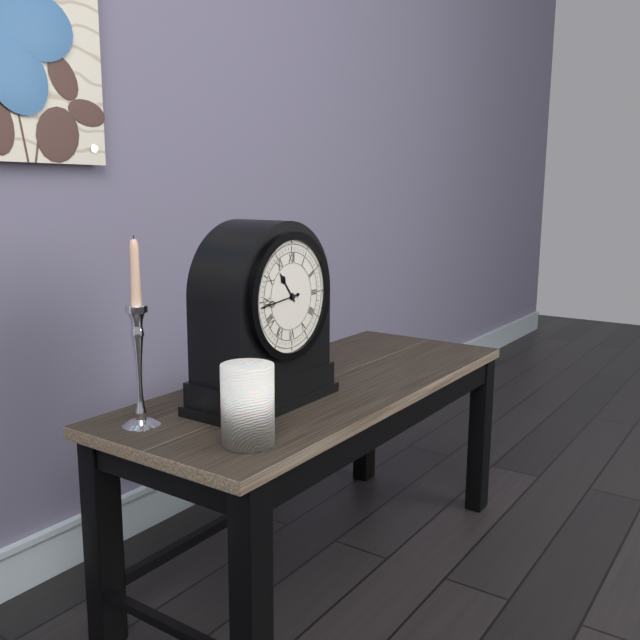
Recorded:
{"hour": 10, "minute": 44}
